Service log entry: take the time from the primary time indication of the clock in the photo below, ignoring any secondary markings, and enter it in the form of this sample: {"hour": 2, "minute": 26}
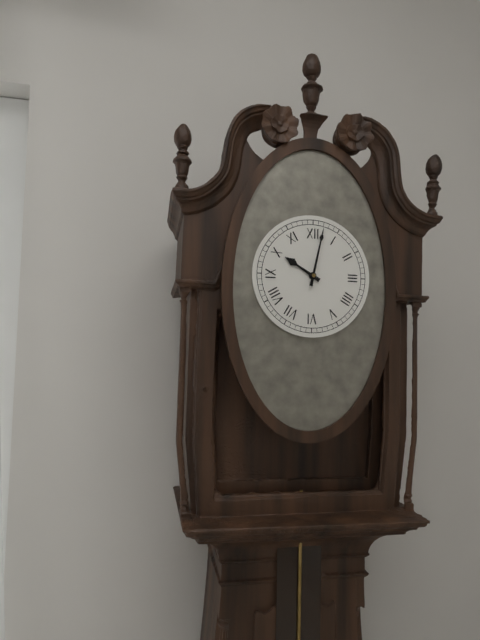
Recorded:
{"hour": 10, "minute": 2}
